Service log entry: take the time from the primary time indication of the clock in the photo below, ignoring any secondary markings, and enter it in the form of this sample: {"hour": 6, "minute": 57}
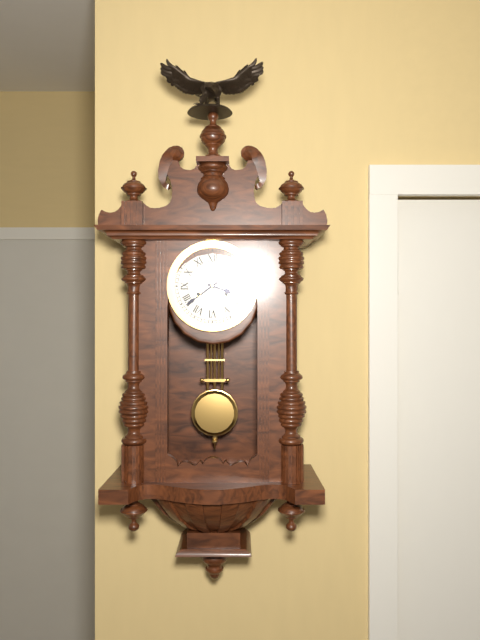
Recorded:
{"hour": 3, "minute": 39}
